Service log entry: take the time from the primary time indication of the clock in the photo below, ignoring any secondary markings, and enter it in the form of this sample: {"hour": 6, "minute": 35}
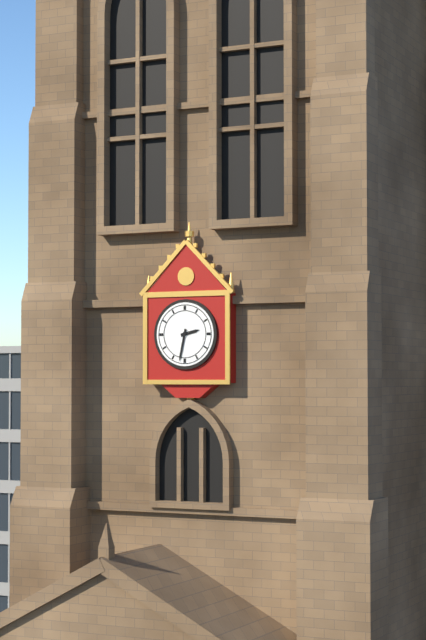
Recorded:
{"hour": 2, "minute": 32}
